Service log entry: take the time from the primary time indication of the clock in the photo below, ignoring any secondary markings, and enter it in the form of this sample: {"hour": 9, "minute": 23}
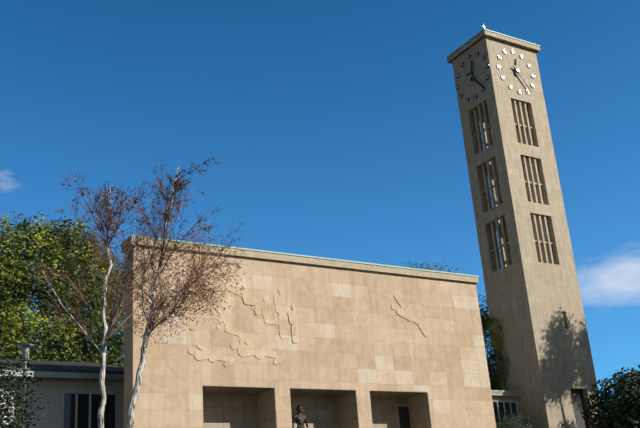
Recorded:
{"hour": 12, "minute": 24}
